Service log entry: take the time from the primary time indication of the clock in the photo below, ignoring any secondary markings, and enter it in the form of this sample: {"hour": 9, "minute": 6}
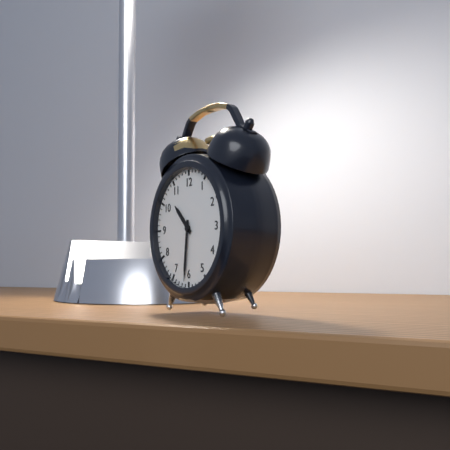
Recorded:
{"hour": 10, "minute": 31}
